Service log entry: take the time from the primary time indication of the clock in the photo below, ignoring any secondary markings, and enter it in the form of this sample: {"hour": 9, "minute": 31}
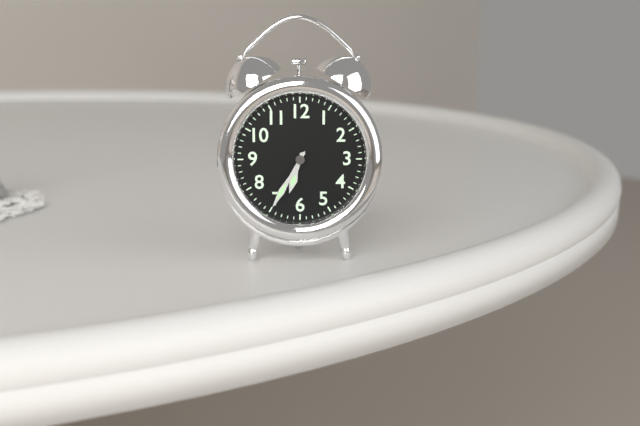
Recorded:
{"hour": 6, "minute": 35}
